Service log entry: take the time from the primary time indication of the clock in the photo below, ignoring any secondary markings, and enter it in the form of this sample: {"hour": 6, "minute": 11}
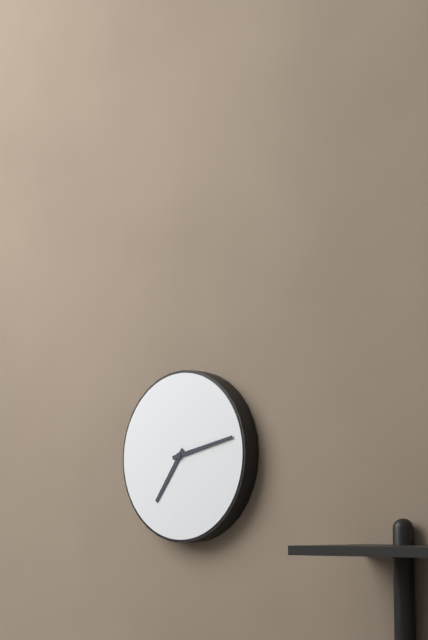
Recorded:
{"hour": 7, "minute": 13}
